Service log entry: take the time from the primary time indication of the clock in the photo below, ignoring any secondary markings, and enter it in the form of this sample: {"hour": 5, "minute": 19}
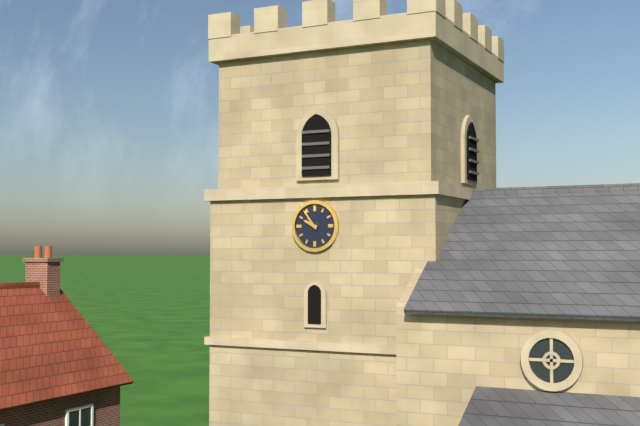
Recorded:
{"hour": 9, "minute": 54}
